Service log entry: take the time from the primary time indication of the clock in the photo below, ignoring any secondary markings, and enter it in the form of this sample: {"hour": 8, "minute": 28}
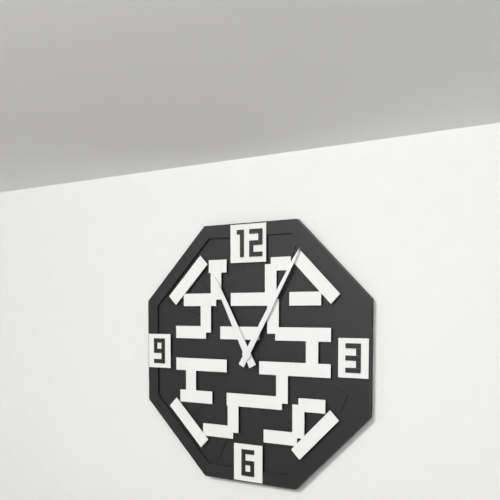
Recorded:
{"hour": 11, "minute": 5}
